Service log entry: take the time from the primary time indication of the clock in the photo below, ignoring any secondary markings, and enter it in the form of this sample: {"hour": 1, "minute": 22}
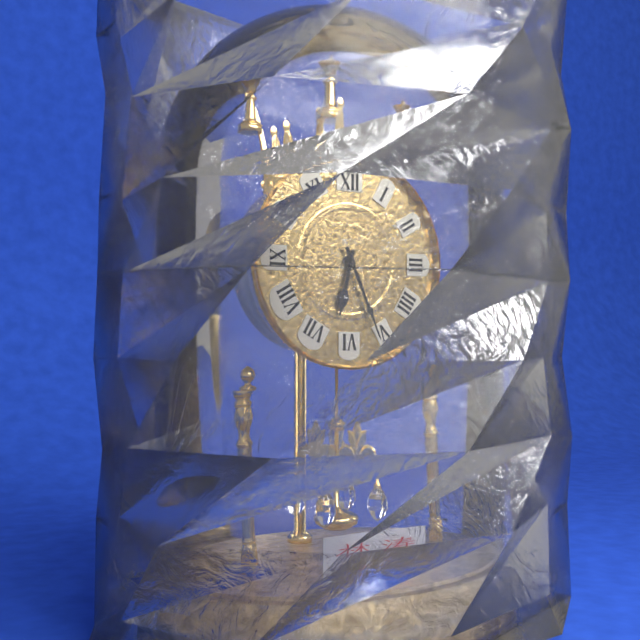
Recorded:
{"hour": 6, "minute": 26}
